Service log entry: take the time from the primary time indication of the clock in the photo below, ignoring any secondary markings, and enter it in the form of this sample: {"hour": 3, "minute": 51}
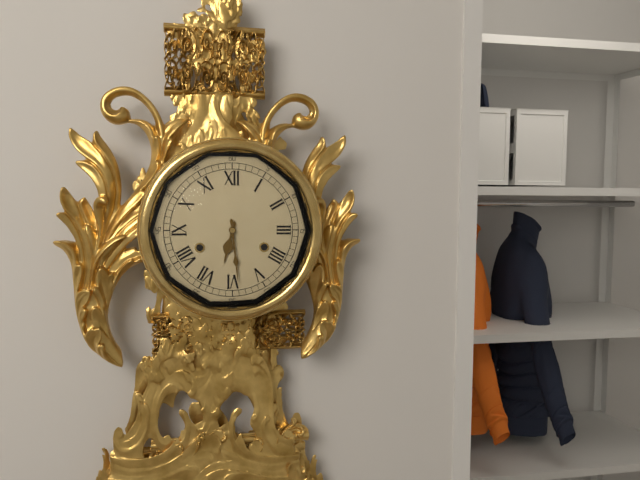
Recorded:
{"hour": 6, "minute": 29}
